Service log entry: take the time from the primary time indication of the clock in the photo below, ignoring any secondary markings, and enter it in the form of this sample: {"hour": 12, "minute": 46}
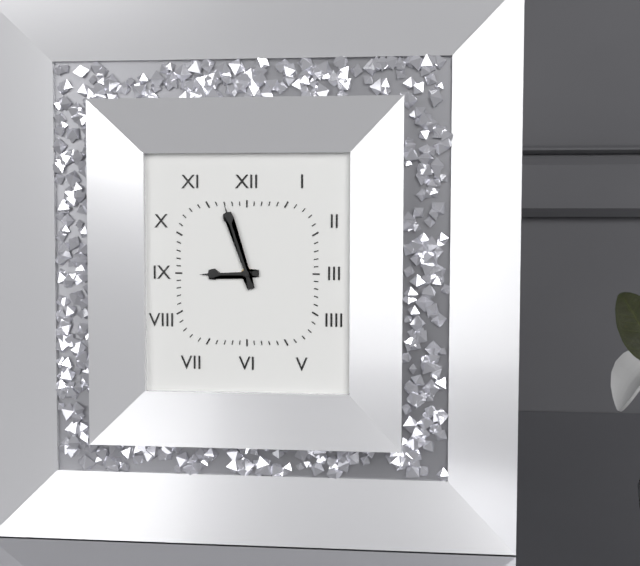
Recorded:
{"hour": 8, "minute": 57}
